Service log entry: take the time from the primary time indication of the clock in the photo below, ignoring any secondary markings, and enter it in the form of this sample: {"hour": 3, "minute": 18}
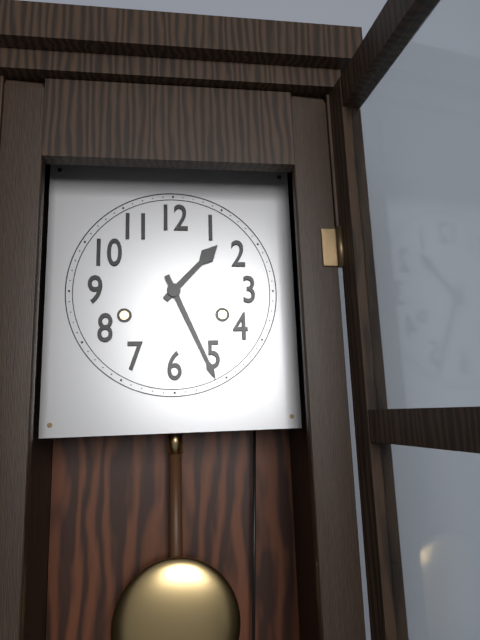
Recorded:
{"hour": 1, "minute": 26}
